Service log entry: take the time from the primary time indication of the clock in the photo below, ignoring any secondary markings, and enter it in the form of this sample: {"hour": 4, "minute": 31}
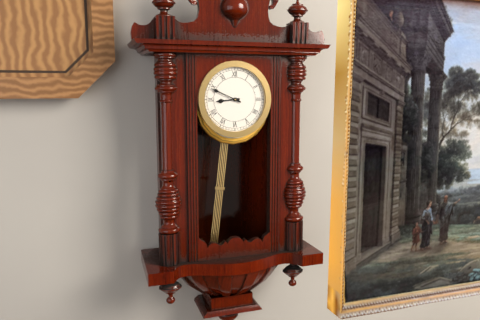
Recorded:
{"hour": 8, "minute": 49}
